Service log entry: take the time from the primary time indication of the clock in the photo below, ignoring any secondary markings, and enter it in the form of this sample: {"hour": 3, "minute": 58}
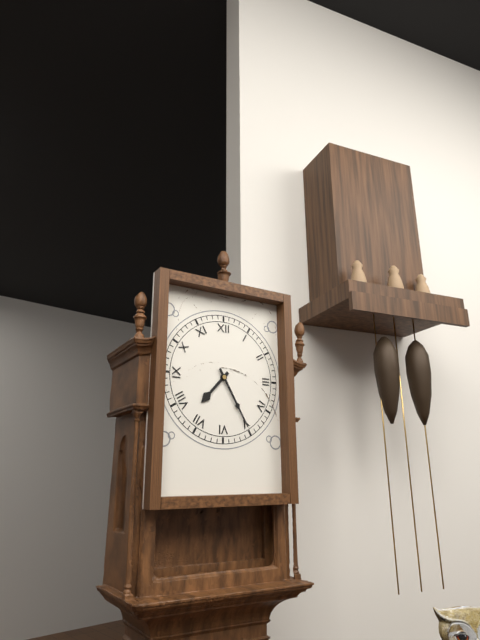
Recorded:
{"hour": 7, "minute": 25}
